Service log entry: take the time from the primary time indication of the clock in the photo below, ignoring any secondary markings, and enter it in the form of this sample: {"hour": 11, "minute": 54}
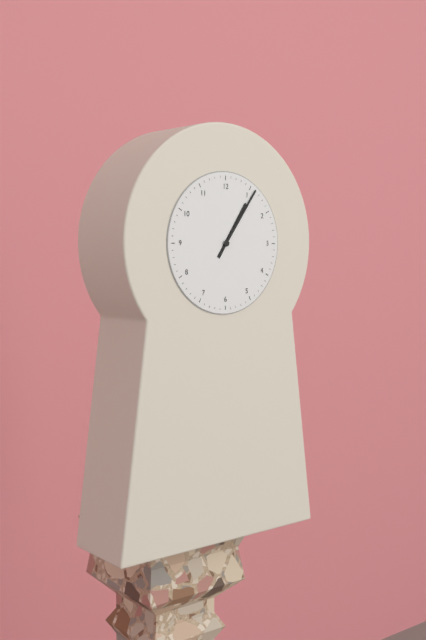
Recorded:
{"hour": 1, "minute": 6}
